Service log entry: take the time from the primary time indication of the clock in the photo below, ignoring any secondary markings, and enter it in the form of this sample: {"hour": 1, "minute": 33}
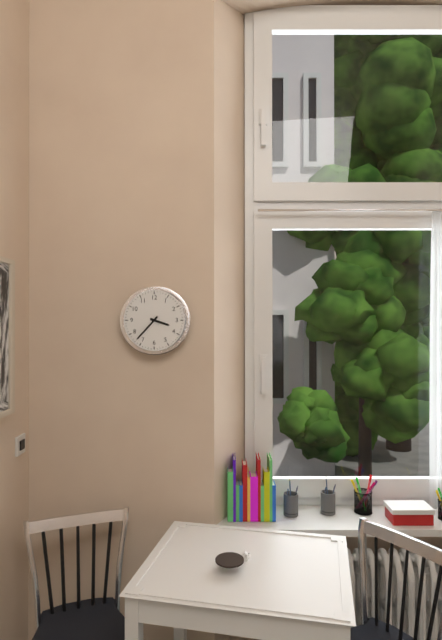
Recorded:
{"hour": 3, "minute": 37}
